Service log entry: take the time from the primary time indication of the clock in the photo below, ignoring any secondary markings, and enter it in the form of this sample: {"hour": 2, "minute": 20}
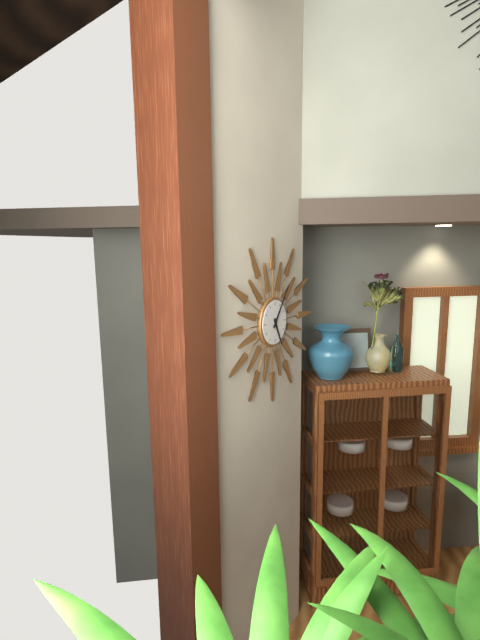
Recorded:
{"hour": 5, "minute": 6}
